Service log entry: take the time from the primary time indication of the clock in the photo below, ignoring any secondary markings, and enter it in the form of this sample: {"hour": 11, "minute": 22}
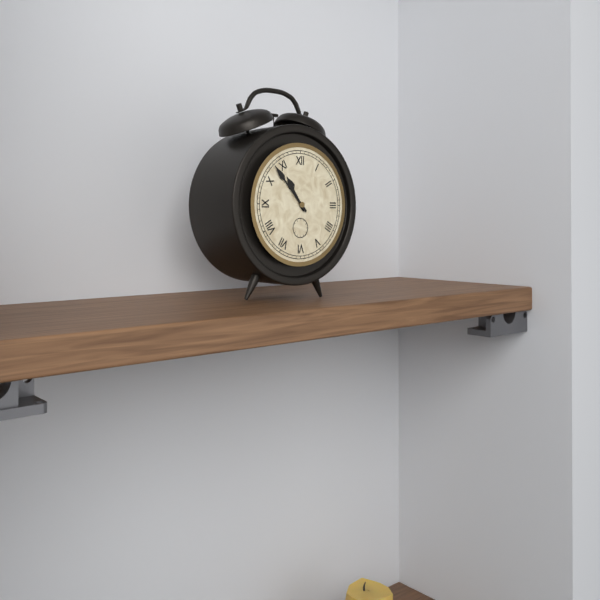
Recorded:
{"hour": 10, "minute": 53}
